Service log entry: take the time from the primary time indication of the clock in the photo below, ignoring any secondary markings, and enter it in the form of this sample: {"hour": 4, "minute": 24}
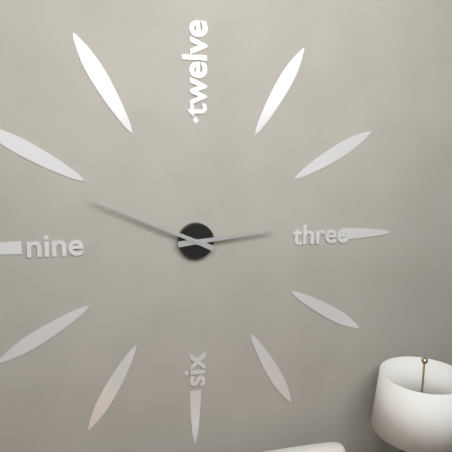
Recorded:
{"hour": 2, "minute": 49}
